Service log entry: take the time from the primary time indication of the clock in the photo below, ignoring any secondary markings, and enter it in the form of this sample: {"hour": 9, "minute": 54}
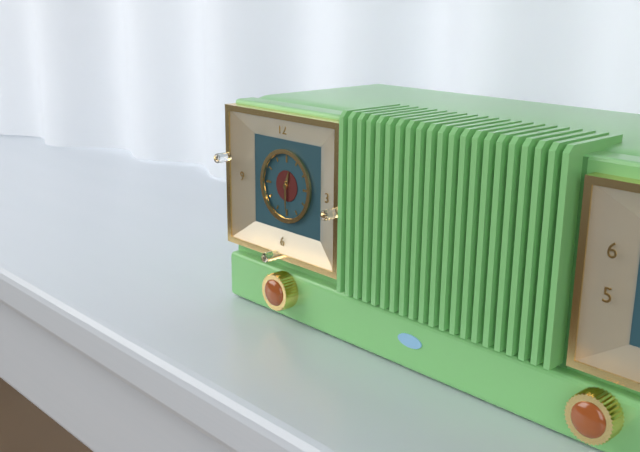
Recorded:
{"hour": 12, "minute": 30}
